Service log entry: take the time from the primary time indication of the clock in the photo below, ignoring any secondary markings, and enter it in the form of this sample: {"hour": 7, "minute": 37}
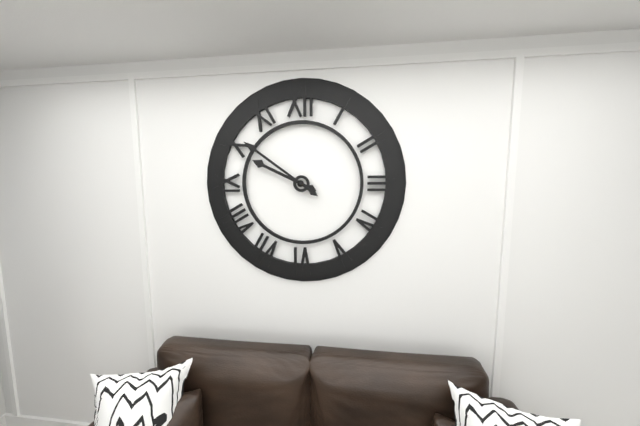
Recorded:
{"hour": 9, "minute": 51}
